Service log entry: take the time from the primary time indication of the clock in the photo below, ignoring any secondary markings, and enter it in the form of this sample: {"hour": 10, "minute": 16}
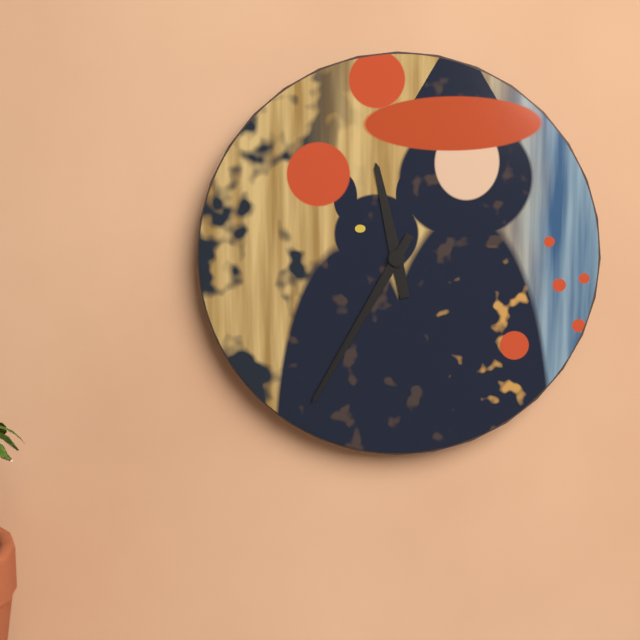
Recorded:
{"hour": 11, "minute": 35}
